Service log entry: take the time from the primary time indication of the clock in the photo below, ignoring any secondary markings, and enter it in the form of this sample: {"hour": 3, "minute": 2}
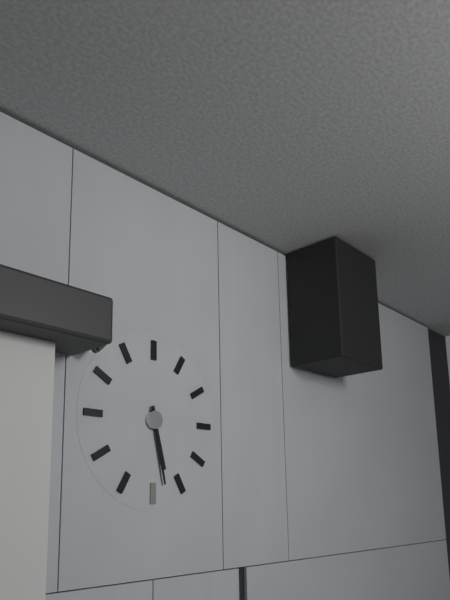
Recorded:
{"hour": 5, "minute": 28}
